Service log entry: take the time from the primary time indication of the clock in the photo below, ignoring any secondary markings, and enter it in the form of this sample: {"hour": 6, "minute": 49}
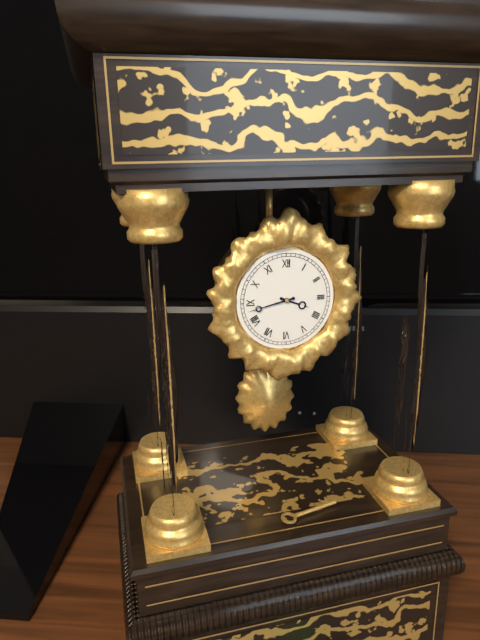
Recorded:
{"hour": 3, "minute": 43}
